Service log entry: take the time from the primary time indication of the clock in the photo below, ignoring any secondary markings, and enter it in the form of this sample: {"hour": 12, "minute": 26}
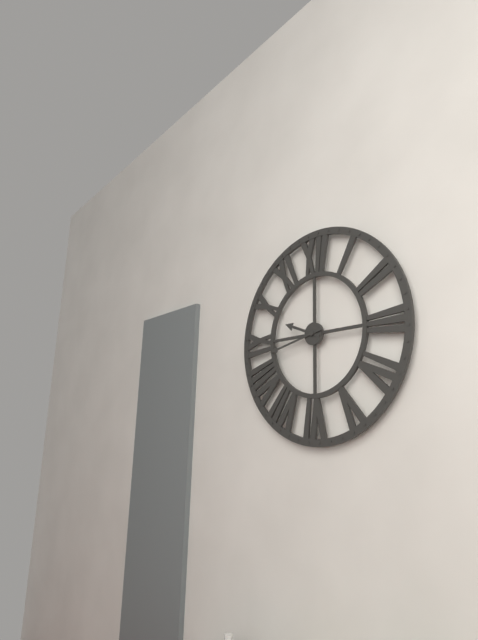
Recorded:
{"hour": 9, "minute": 43}
